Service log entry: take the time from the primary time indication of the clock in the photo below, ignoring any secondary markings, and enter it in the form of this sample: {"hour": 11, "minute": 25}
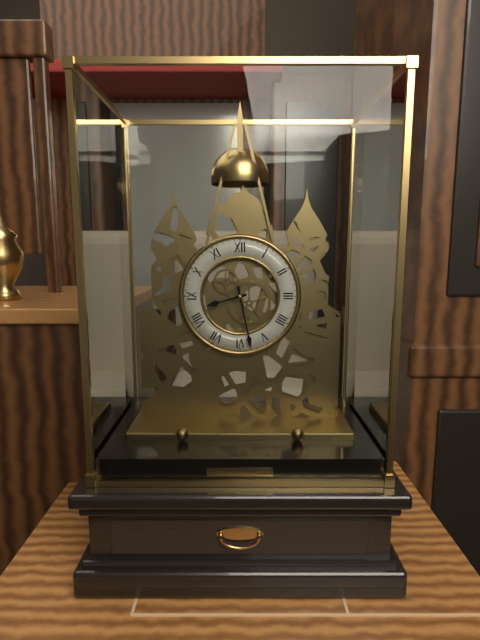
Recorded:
{"hour": 8, "minute": 28}
